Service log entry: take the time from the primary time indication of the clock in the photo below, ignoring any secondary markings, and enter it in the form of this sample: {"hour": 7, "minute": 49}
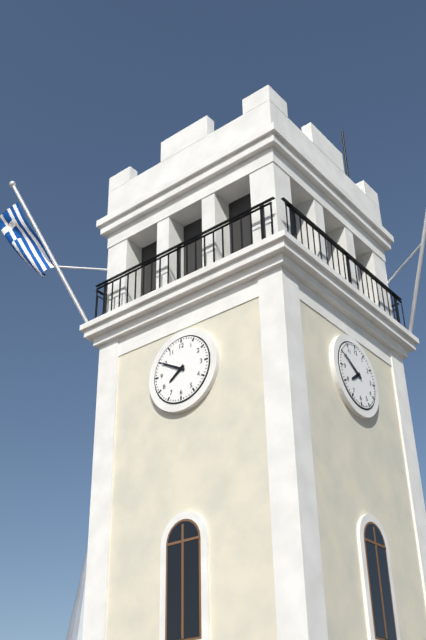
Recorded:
{"hour": 7, "minute": 50}
